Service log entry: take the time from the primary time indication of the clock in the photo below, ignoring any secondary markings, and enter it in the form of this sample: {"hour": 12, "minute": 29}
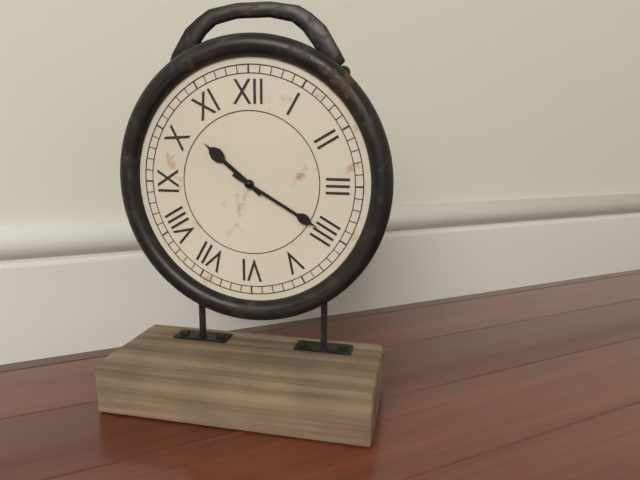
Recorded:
{"hour": 10, "minute": 20}
